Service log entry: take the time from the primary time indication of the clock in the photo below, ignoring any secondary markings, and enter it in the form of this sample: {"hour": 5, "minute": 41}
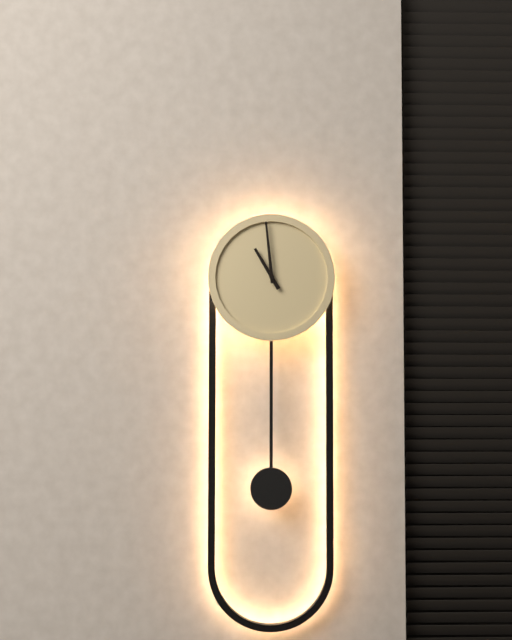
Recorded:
{"hour": 10, "minute": 59}
